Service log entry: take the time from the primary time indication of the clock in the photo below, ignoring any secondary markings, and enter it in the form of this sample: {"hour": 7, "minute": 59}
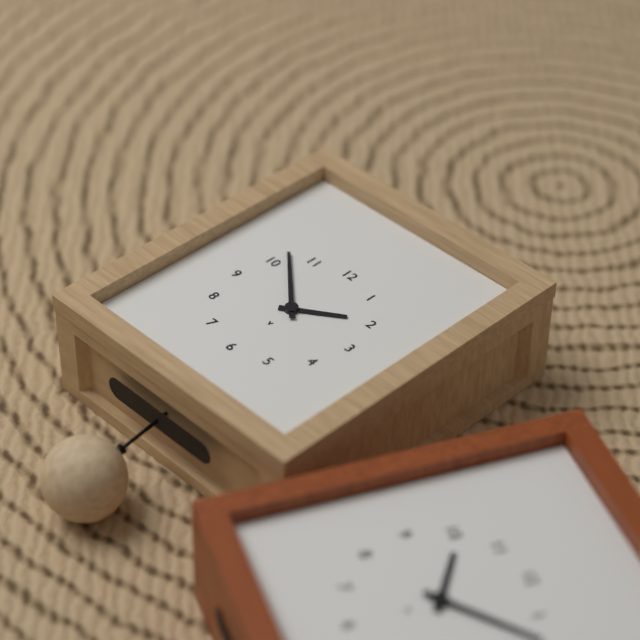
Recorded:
{"hour": 1, "minute": 52}
